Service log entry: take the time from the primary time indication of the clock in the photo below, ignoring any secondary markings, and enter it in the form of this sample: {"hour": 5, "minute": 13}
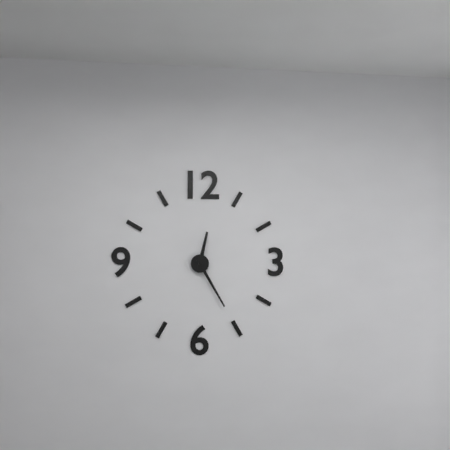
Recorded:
{"hour": 12, "minute": 25}
